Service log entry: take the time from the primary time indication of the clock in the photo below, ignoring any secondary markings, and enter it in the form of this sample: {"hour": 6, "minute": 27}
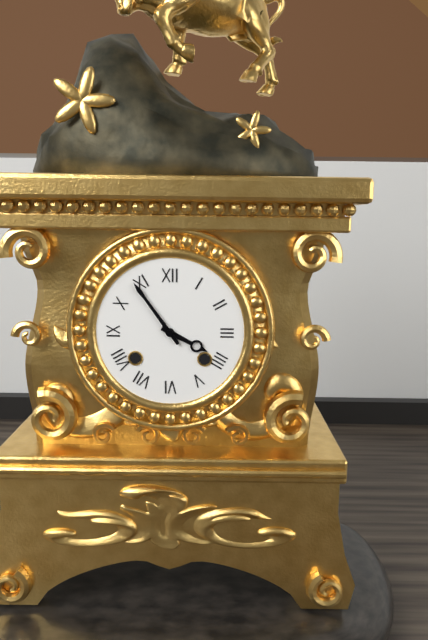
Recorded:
{"hour": 3, "minute": 54}
